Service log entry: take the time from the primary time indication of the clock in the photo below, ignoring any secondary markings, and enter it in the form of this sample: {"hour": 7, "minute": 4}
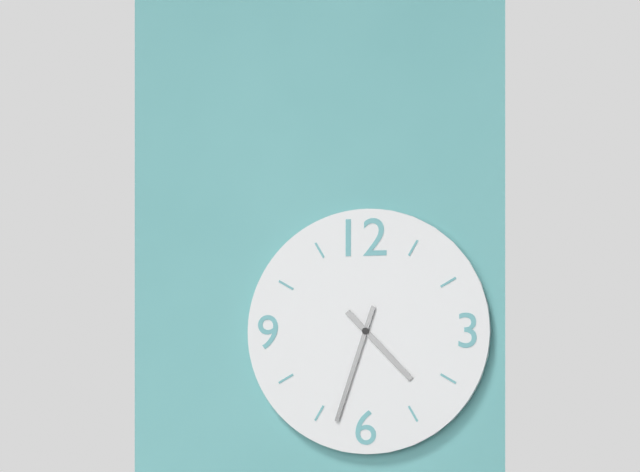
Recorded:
{"hour": 4, "minute": 33}
